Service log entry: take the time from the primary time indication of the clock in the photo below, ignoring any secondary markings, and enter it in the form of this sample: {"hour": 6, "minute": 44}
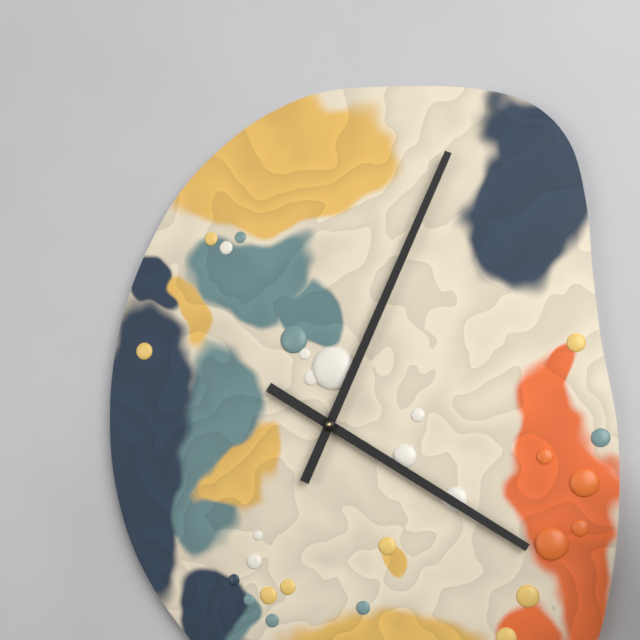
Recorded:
{"hour": 4, "minute": 4}
